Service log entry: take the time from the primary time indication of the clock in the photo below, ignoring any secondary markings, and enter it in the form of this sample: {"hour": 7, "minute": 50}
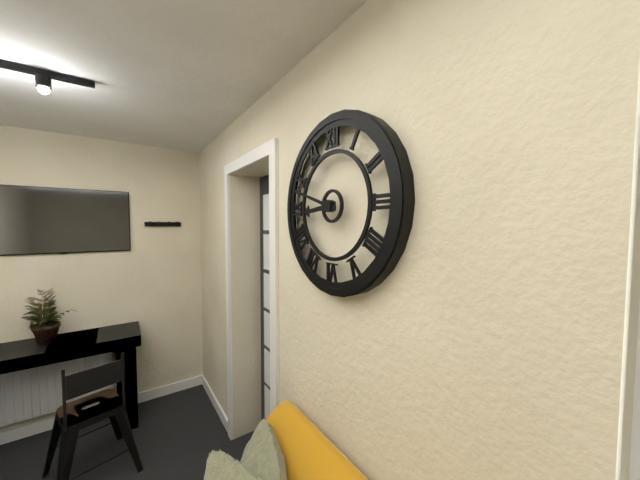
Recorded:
{"hour": 8, "minute": 48}
